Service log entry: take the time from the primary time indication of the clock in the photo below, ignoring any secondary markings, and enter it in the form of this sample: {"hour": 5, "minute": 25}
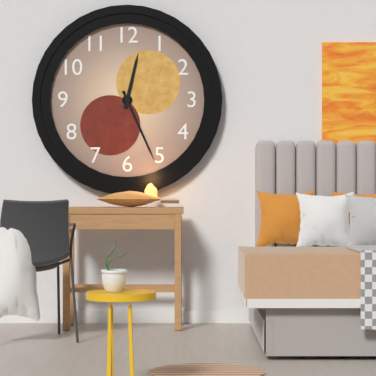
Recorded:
{"hour": 12, "minute": 26}
